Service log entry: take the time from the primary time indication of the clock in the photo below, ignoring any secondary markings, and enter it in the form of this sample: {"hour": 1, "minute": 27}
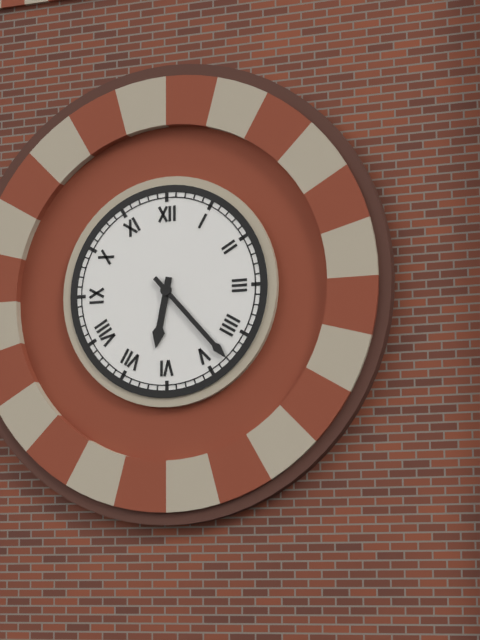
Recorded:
{"hour": 6, "minute": 23}
